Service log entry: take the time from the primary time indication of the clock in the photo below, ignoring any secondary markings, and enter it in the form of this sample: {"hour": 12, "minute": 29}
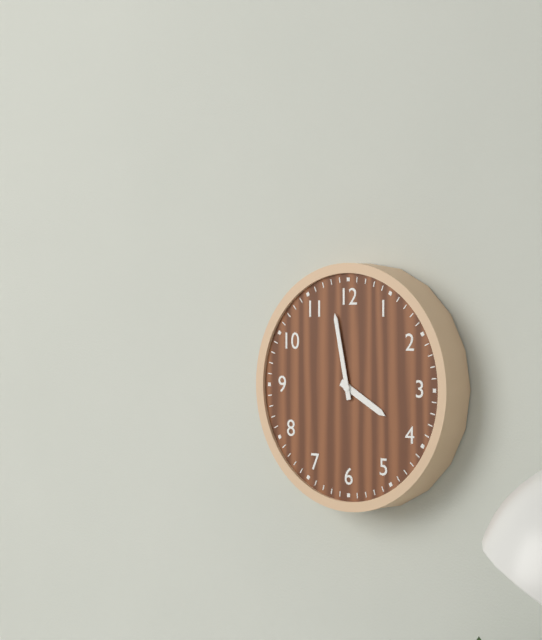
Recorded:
{"hour": 3, "minute": 58}
